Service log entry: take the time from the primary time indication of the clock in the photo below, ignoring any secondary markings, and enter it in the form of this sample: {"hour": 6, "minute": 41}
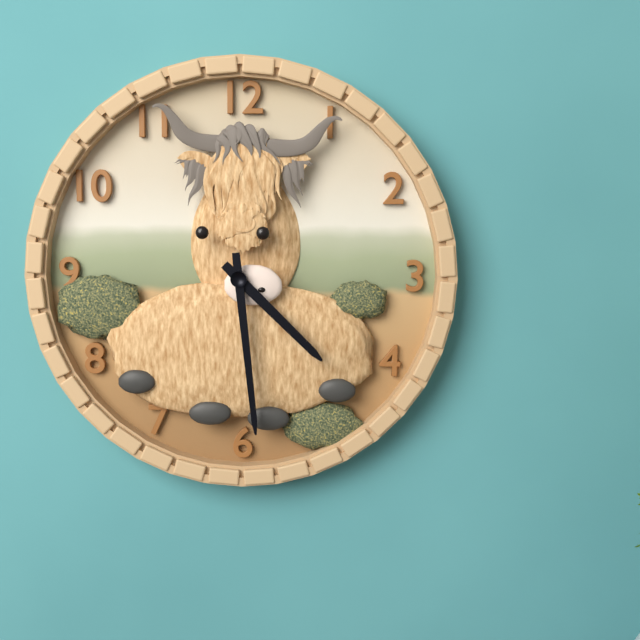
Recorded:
{"hour": 4, "minute": 29}
